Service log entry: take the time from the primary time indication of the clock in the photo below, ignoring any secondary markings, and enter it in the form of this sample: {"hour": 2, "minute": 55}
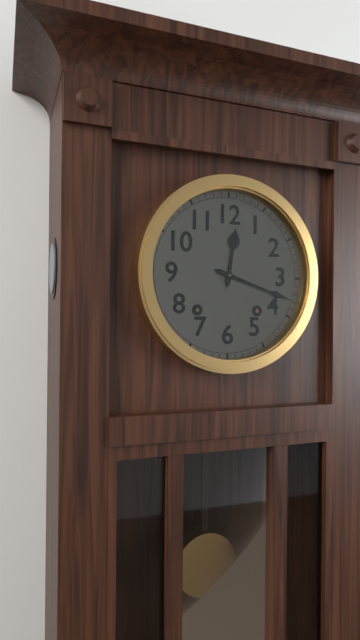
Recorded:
{"hour": 12, "minute": 18}
